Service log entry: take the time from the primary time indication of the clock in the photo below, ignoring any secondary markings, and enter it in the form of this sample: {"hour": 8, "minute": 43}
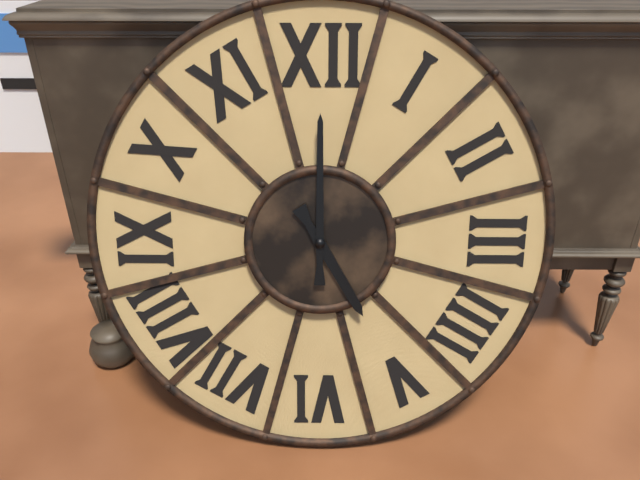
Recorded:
{"hour": 5, "minute": 0}
